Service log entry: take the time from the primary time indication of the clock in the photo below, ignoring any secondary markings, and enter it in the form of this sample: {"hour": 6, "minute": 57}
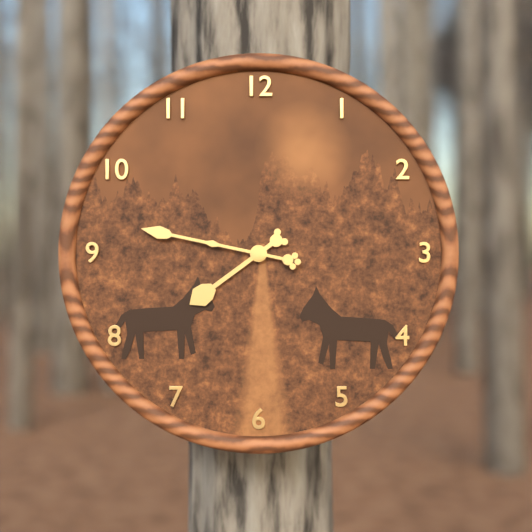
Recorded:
{"hour": 7, "minute": 47}
